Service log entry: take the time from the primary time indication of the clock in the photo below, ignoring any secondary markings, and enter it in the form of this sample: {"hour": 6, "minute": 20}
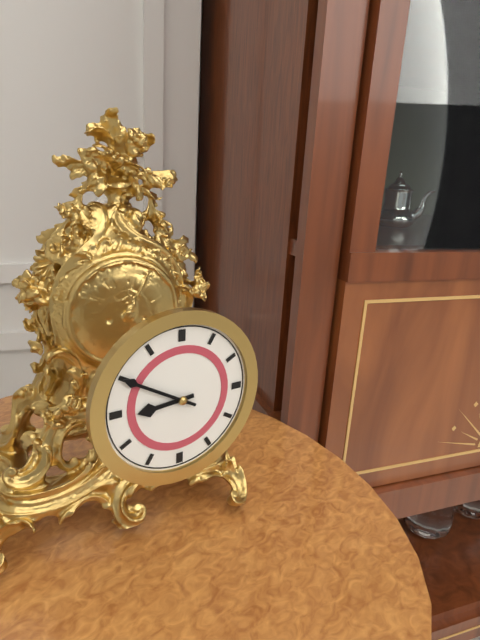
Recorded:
{"hour": 8, "minute": 50}
